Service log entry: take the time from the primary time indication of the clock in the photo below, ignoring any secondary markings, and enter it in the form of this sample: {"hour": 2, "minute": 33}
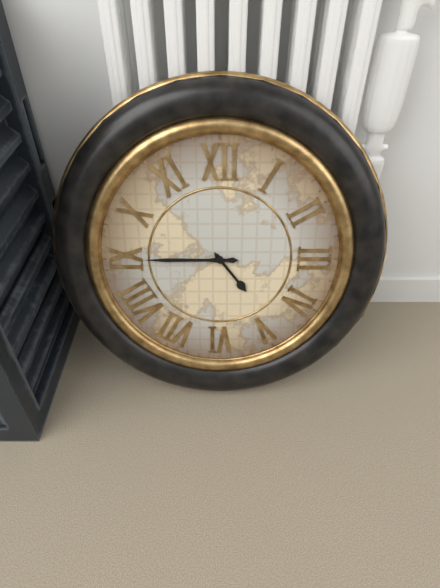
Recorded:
{"hour": 4, "minute": 45}
